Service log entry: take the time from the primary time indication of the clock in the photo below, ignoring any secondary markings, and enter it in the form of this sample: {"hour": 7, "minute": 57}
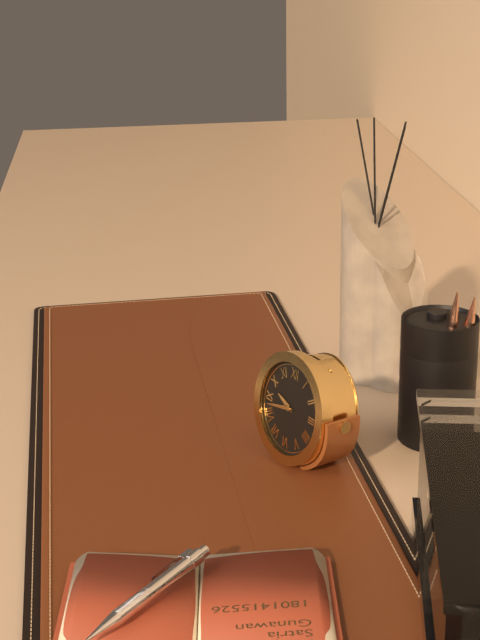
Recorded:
{"hour": 9, "minute": 43}
